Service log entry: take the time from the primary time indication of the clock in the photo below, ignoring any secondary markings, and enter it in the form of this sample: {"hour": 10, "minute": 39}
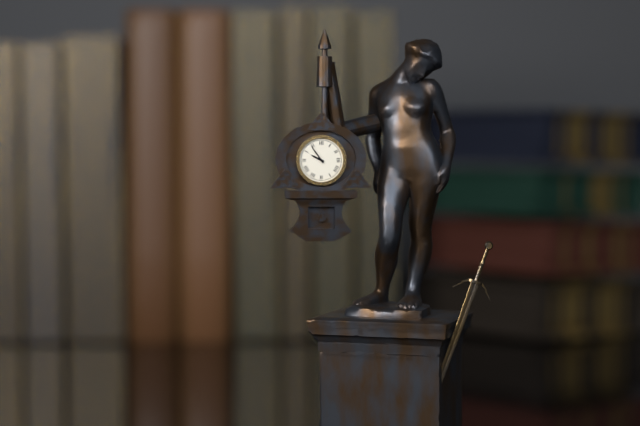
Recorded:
{"hour": 9, "minute": 54}
